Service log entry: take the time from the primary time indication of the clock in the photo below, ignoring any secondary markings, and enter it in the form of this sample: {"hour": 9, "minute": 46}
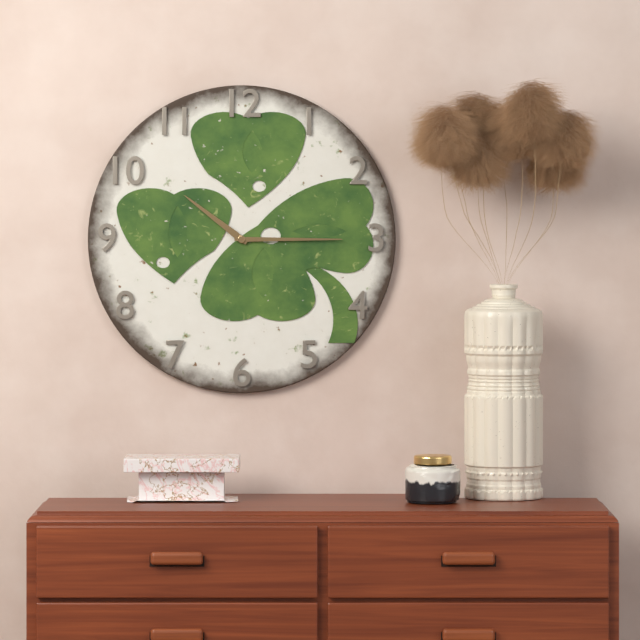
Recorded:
{"hour": 10, "minute": 15}
